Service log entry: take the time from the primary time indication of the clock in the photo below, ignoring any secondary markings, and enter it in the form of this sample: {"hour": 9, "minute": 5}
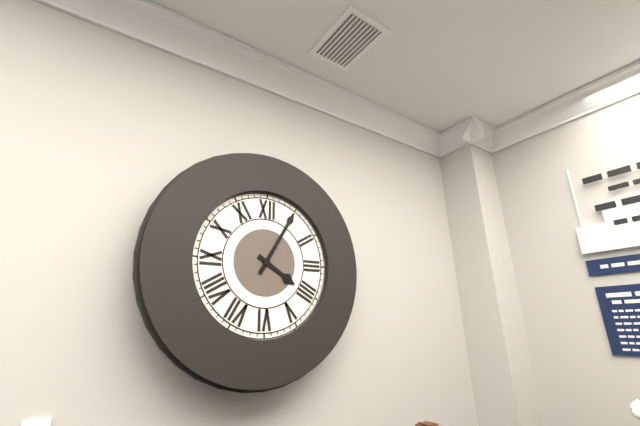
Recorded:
{"hour": 4, "minute": 5}
